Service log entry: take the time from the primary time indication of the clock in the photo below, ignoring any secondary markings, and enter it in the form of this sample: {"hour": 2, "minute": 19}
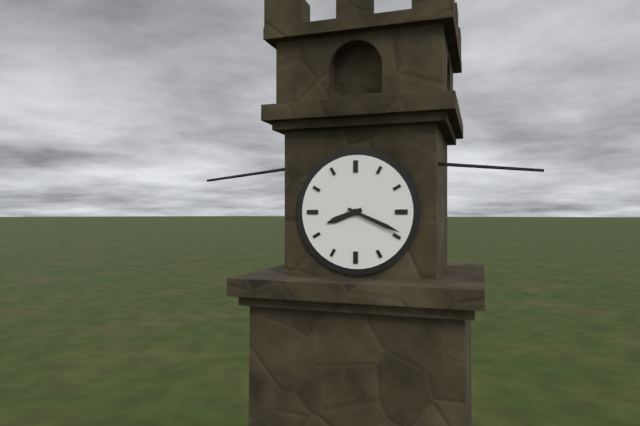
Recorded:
{"hour": 8, "minute": 19}
